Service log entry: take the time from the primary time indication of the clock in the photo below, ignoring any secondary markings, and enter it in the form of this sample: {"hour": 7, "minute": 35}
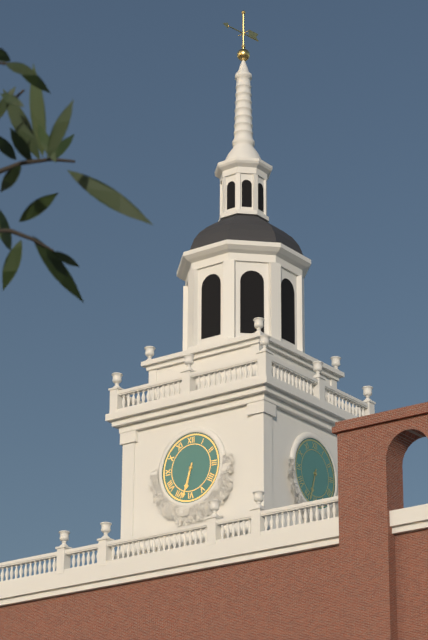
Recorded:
{"hour": 6, "minute": 33}
